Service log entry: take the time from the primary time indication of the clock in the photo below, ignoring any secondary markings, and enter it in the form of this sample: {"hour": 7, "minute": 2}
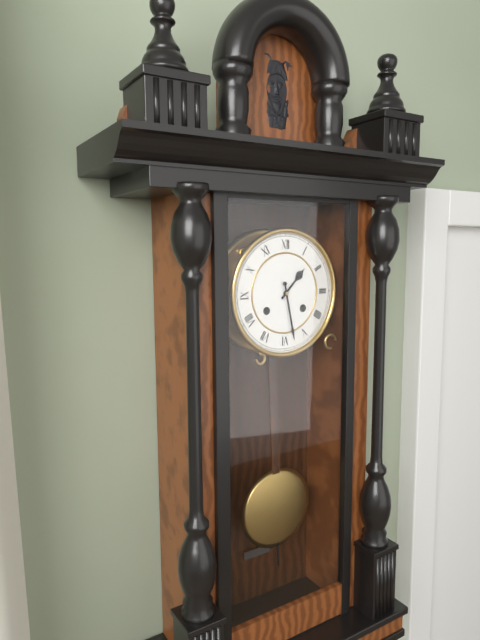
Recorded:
{"hour": 1, "minute": 28}
